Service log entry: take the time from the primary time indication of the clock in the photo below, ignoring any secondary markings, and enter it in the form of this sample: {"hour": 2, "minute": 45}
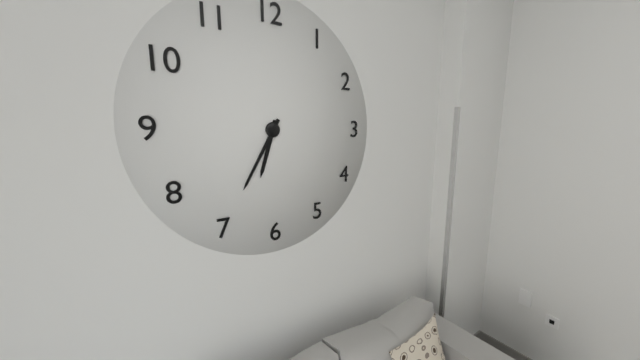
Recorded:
{"hour": 6, "minute": 35}
